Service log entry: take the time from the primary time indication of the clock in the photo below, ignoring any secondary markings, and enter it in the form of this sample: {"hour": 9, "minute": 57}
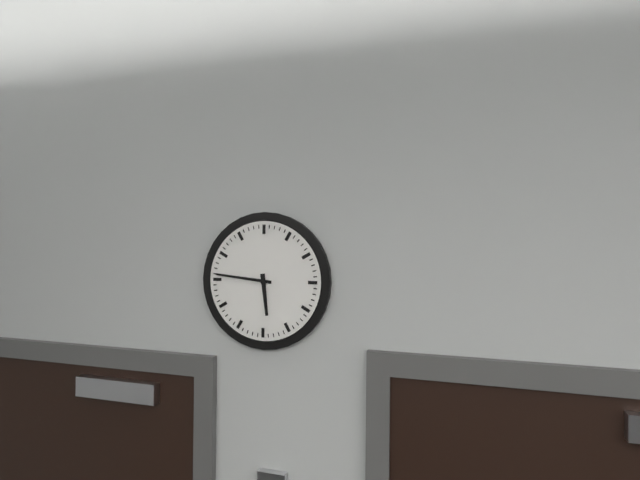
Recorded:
{"hour": 5, "minute": 46}
